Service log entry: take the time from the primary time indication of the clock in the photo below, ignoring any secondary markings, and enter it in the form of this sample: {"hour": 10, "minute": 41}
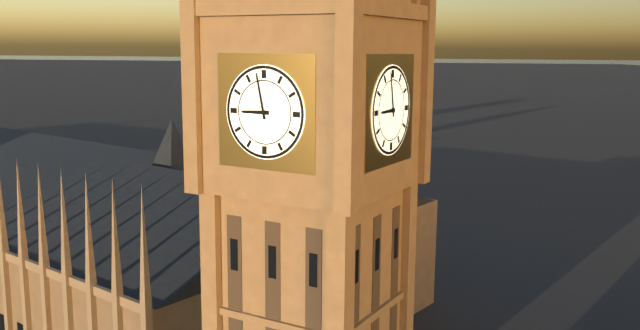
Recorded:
{"hour": 8, "minute": 58}
